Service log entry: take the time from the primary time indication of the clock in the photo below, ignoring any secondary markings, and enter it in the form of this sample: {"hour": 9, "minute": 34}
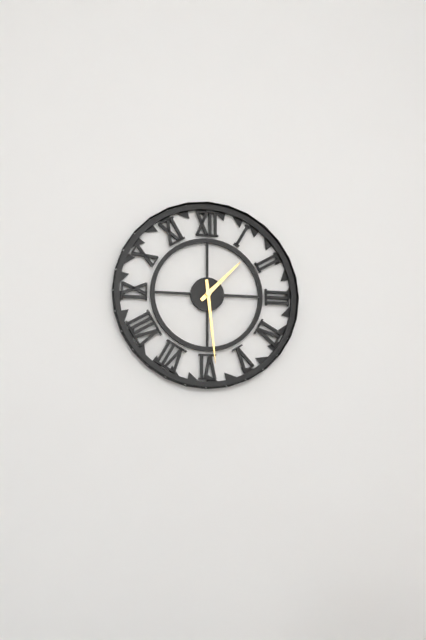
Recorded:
{"hour": 1, "minute": 29}
